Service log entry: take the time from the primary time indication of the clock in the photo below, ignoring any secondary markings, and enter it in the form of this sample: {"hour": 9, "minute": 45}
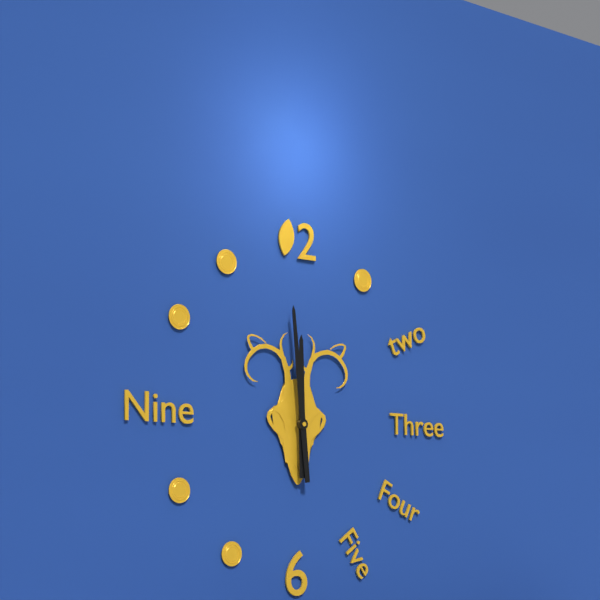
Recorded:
{"hour": 11, "minute": 59}
